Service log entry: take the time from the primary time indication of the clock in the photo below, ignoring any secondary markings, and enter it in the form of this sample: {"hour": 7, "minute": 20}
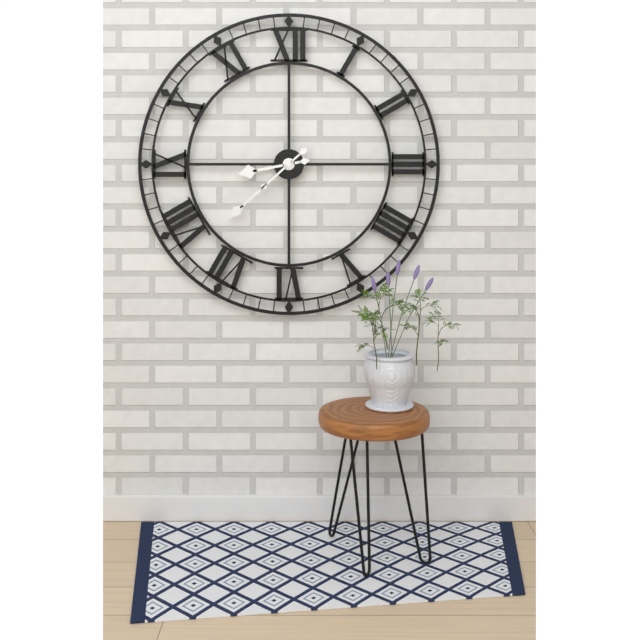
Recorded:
{"hour": 8, "minute": 38}
